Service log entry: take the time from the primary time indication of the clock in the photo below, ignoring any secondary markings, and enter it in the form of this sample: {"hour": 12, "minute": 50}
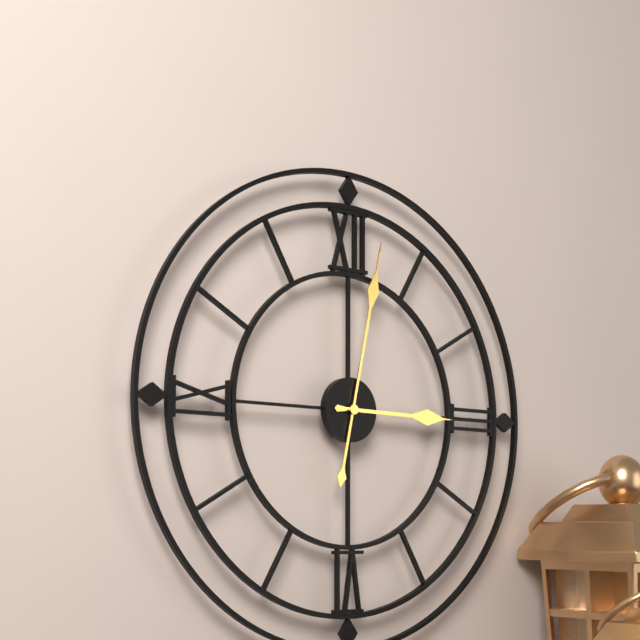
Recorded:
{"hour": 3, "minute": 2}
